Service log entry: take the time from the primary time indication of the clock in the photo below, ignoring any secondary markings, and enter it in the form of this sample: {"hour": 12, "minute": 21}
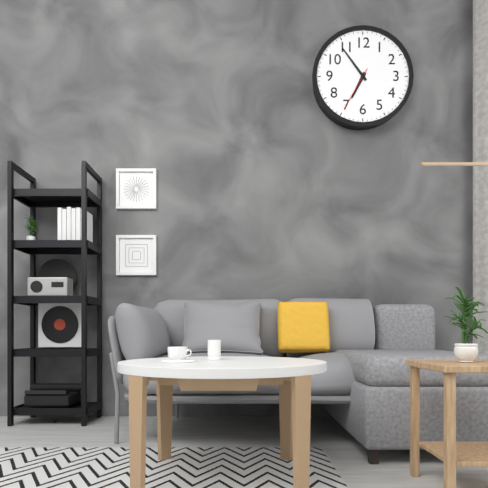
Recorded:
{"hour": 6, "minute": 54}
